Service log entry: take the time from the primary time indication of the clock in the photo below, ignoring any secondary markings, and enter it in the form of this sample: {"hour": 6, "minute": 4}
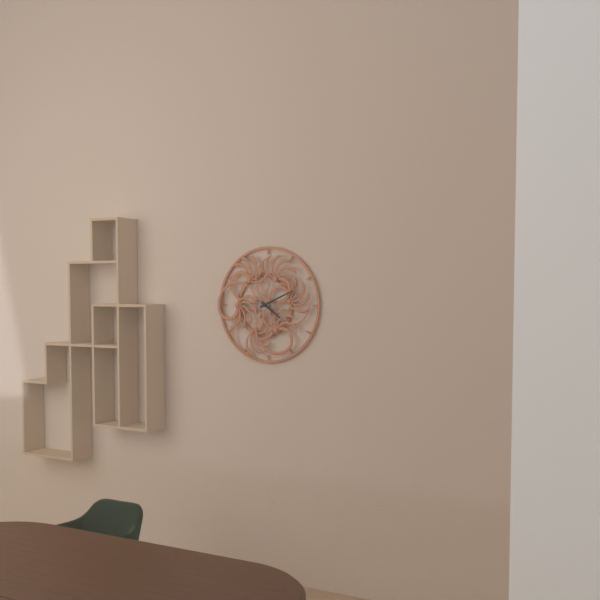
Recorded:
{"hour": 4, "minute": 11}
